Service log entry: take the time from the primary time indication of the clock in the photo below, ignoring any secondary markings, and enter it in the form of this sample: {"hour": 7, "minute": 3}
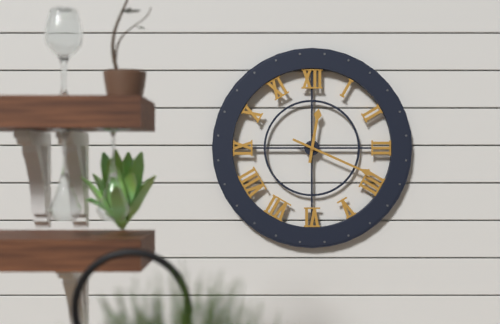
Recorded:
{"hour": 12, "minute": 19}
